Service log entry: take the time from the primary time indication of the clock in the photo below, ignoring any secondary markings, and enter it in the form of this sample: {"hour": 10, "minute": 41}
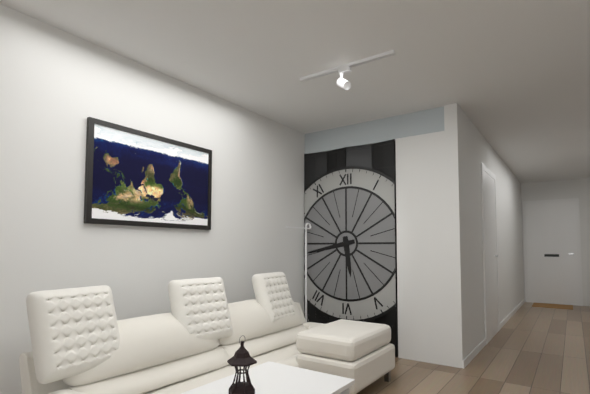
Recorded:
{"hour": 5, "minute": 43}
